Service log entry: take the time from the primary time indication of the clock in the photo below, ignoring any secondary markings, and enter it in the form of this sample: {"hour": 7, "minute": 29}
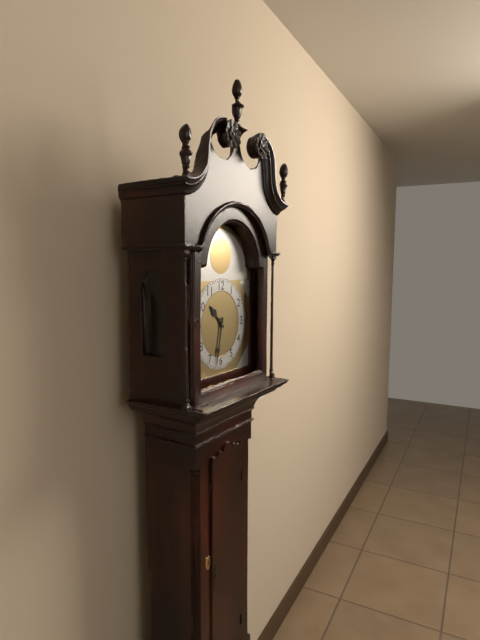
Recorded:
{"hour": 10, "minute": 32}
